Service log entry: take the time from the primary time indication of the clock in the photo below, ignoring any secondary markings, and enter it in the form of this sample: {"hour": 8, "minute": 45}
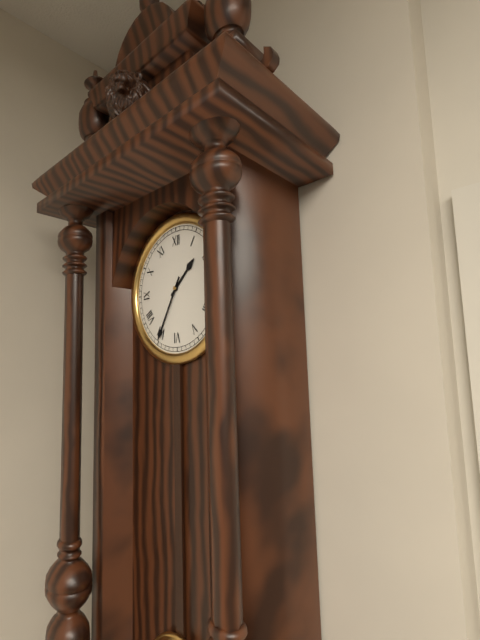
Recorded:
{"hour": 1, "minute": 35}
